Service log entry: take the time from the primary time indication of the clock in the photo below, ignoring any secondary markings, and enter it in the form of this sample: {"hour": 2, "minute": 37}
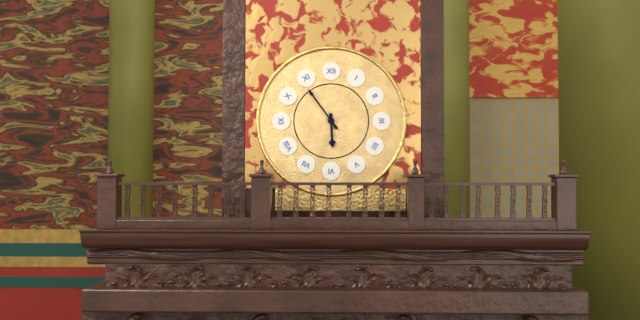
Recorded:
{"hour": 5, "minute": 54}
